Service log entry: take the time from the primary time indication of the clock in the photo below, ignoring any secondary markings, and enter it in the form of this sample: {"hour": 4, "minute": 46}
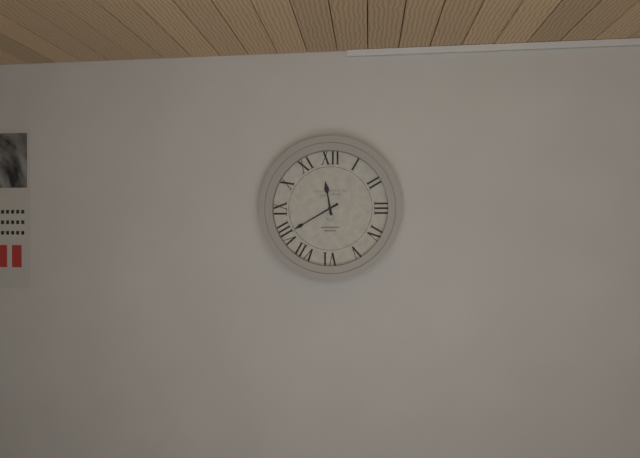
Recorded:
{"hour": 11, "minute": 40}
